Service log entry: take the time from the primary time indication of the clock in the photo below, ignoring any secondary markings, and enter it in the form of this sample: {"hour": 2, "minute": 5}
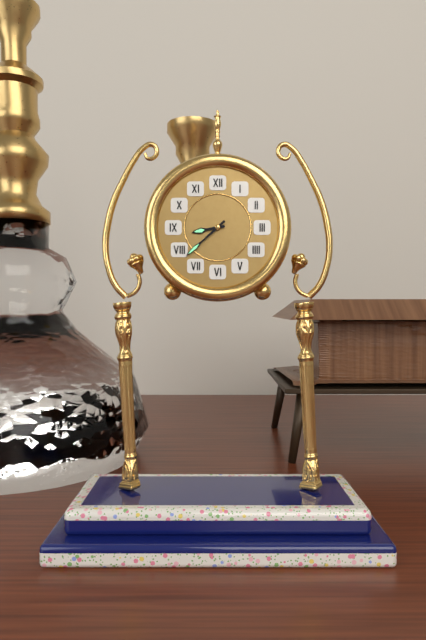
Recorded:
{"hour": 8, "minute": 38}
